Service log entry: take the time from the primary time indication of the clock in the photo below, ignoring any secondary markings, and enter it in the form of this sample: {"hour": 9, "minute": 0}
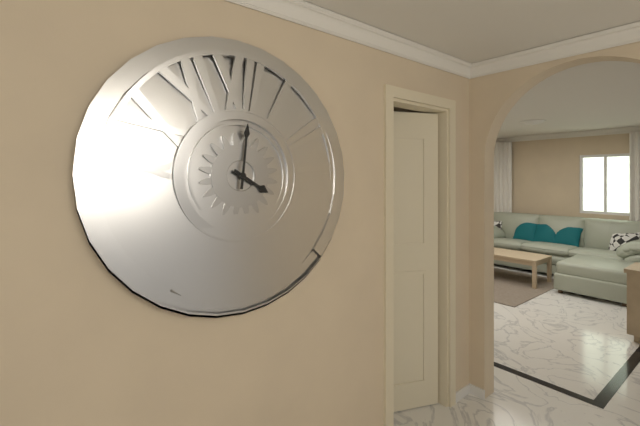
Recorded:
{"hour": 4, "minute": 1}
